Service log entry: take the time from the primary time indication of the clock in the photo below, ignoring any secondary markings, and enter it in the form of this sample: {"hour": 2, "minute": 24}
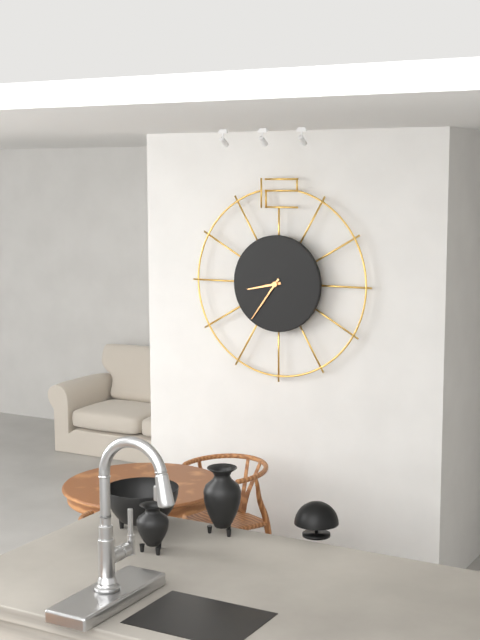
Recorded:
{"hour": 8, "minute": 36}
